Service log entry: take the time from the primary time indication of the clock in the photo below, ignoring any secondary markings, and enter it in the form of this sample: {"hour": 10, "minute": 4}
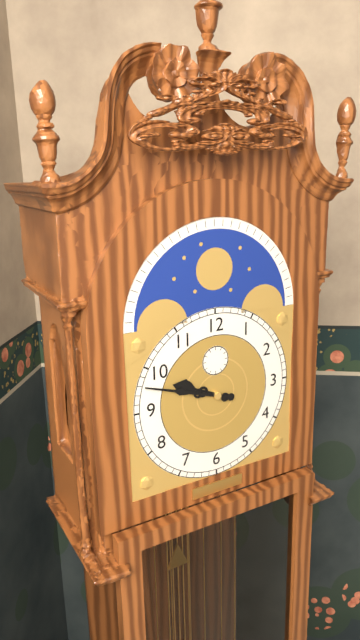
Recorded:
{"hour": 9, "minute": 48}
